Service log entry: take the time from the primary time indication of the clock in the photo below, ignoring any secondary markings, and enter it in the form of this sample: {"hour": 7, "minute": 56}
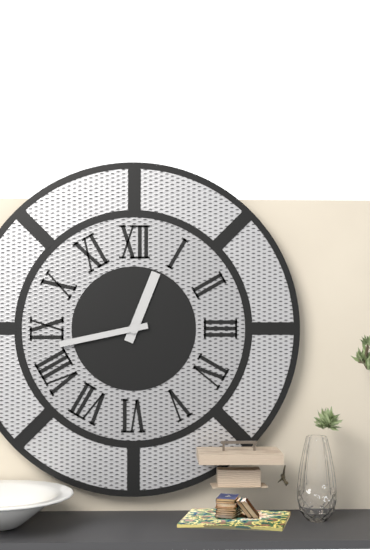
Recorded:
{"hour": 12, "minute": 43}
